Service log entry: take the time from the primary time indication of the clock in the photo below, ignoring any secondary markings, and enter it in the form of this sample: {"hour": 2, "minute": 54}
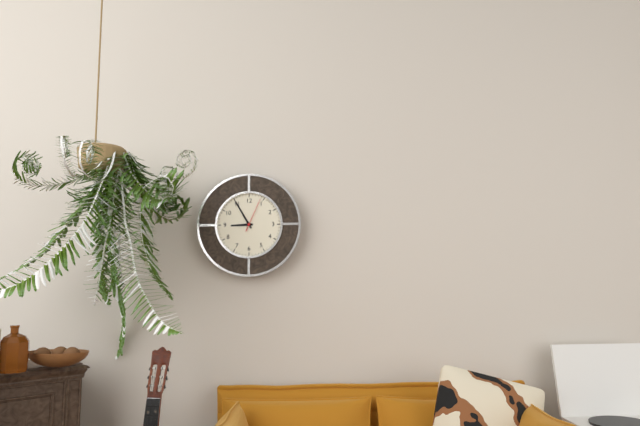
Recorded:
{"hour": 8, "minute": 55}
